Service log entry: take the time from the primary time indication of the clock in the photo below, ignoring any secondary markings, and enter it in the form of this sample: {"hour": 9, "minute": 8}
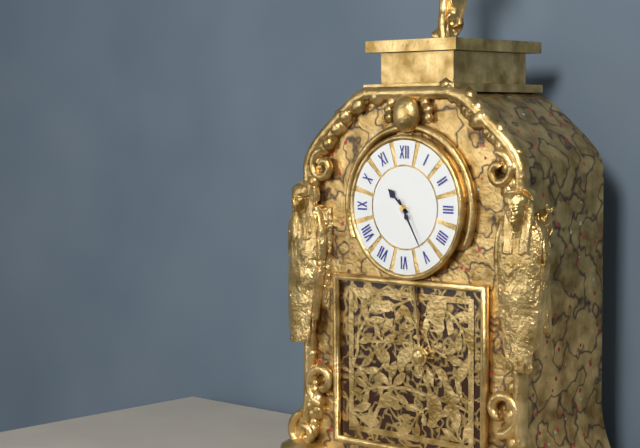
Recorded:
{"hour": 10, "minute": 25}
